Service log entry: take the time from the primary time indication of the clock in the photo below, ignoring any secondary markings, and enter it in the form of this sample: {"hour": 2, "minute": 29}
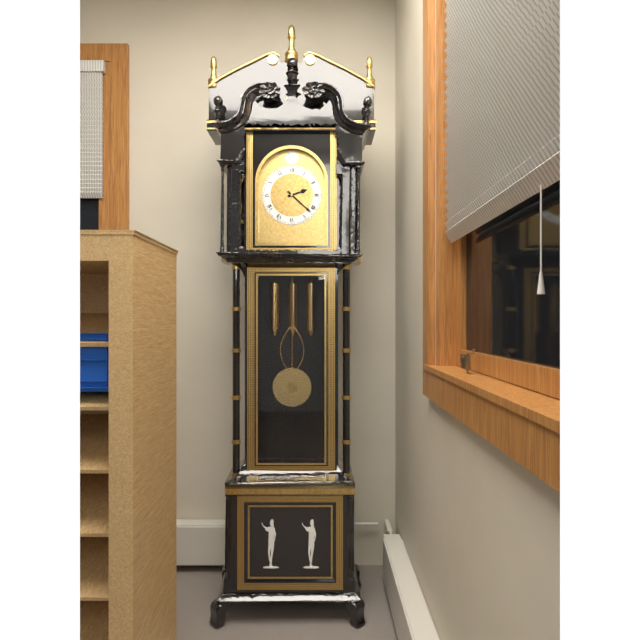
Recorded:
{"hour": 2, "minute": 22}
